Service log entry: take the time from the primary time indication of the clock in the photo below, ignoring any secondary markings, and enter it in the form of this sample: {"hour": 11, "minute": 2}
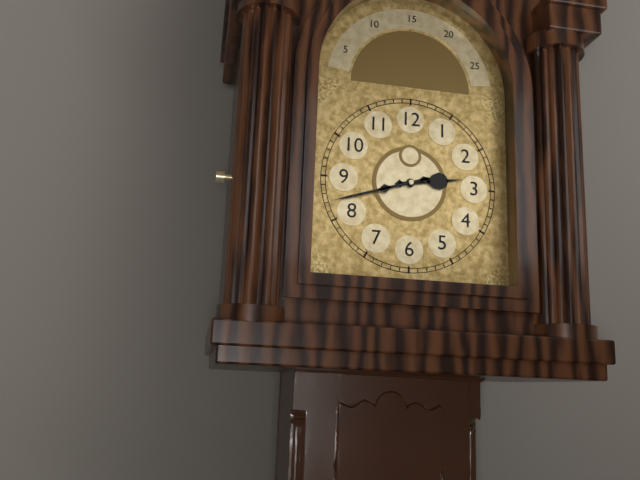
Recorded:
{"hour": 2, "minute": 42}
